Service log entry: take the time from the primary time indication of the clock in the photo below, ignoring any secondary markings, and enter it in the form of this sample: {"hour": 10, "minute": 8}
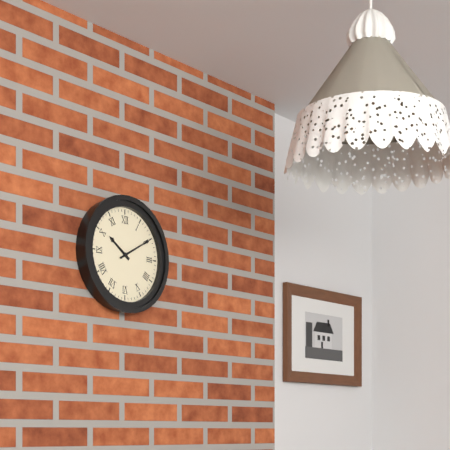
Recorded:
{"hour": 10, "minute": 10}
